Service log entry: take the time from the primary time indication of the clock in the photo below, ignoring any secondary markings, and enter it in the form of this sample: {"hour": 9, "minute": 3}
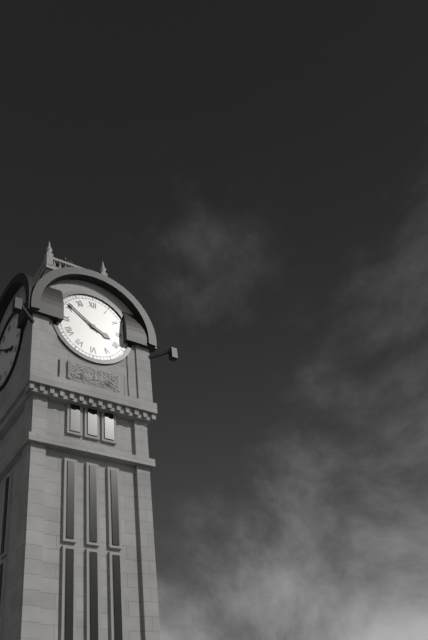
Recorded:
{"hour": 3, "minute": 51}
